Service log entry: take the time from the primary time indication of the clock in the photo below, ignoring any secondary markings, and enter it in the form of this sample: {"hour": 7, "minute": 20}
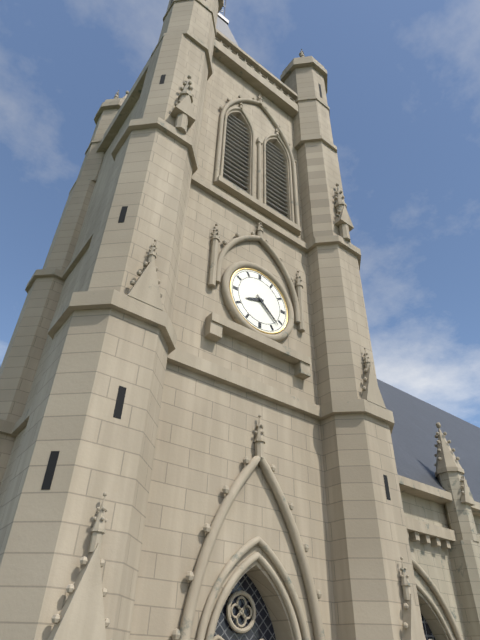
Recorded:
{"hour": 8, "minute": 22}
